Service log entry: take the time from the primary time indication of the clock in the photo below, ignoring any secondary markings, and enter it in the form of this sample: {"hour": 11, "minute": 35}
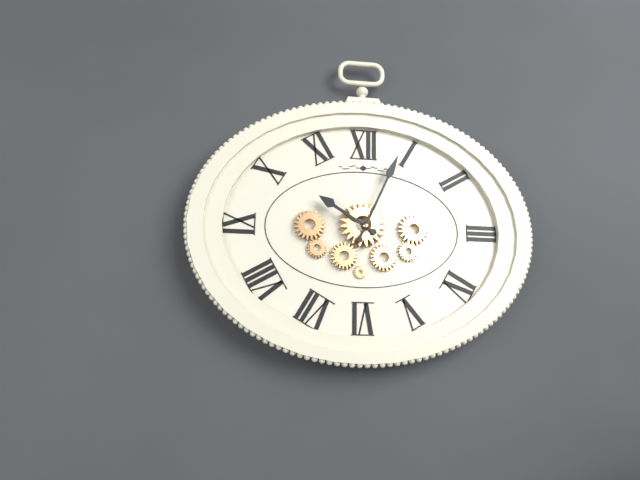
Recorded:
{"hour": 10, "minute": 4}
